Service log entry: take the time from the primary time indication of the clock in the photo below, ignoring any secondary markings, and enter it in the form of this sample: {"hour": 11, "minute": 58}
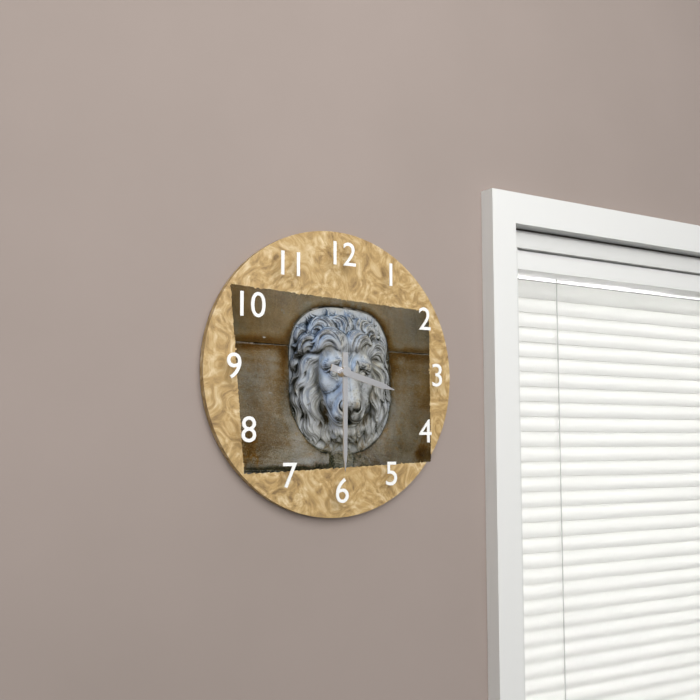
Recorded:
{"hour": 3, "minute": 30}
